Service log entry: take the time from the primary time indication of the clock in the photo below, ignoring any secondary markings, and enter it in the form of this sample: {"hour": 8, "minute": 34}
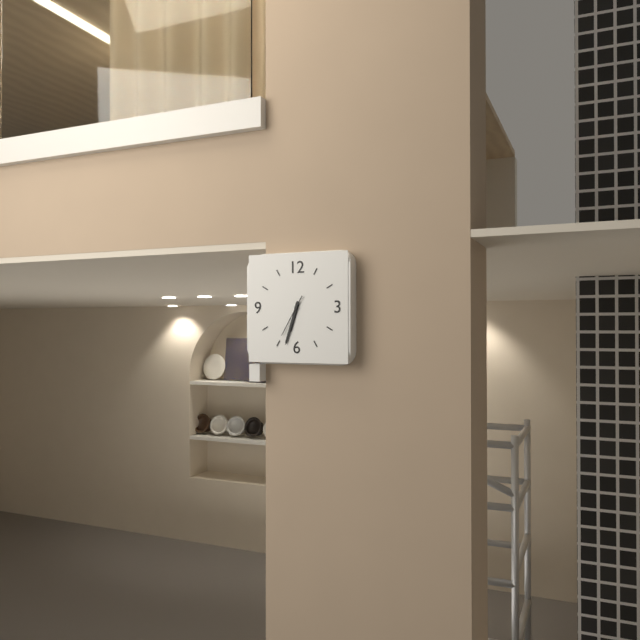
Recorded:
{"hour": 6, "minute": 33}
